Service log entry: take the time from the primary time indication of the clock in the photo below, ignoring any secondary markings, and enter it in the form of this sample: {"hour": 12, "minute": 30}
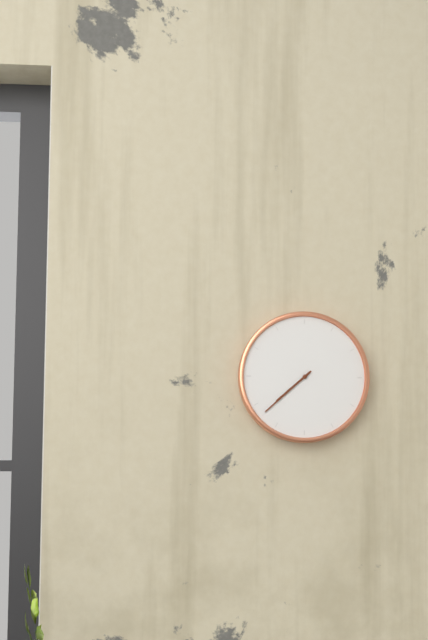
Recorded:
{"hour": 7, "minute": 38}
